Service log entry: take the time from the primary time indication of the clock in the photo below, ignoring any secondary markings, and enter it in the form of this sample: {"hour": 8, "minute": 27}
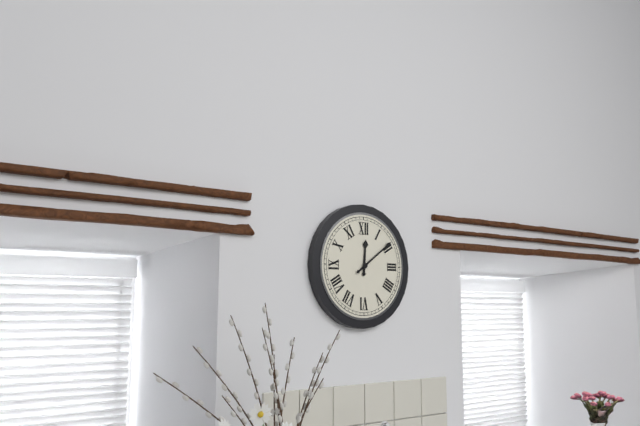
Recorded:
{"hour": 12, "minute": 9}
